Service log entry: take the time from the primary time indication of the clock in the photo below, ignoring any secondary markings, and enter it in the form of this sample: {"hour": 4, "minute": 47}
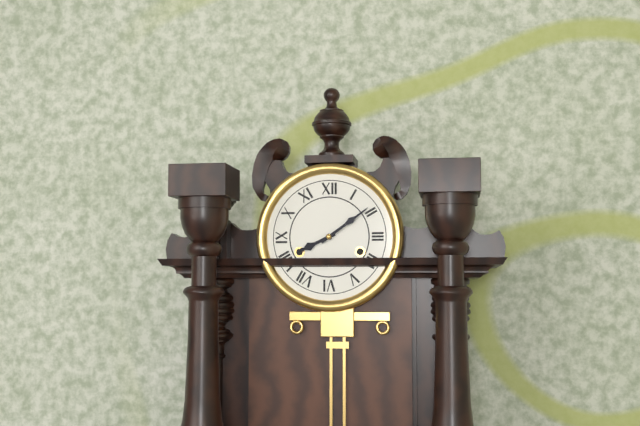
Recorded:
{"hour": 8, "minute": 9}
